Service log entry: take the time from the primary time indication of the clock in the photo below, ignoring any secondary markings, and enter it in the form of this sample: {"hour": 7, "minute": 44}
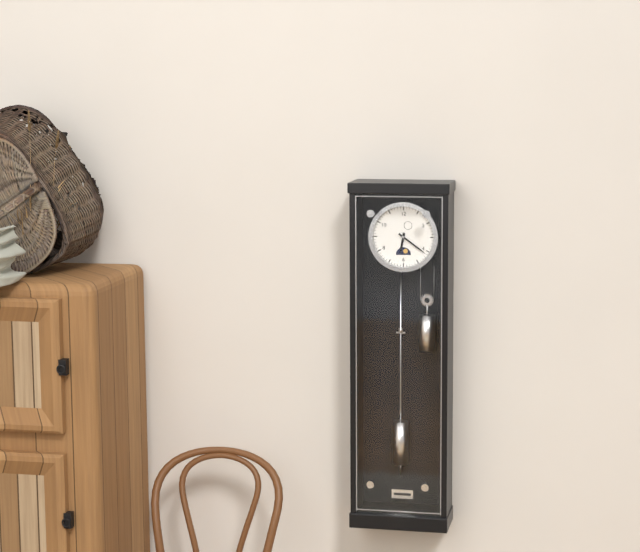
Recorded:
{"hour": 6, "minute": 21}
